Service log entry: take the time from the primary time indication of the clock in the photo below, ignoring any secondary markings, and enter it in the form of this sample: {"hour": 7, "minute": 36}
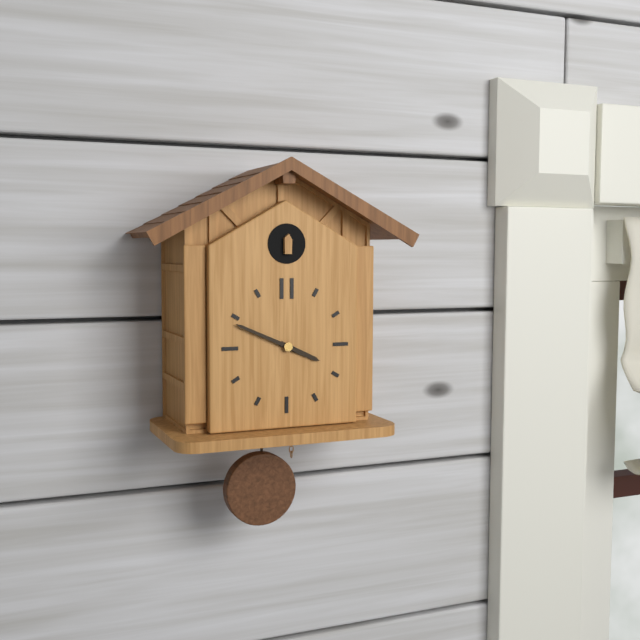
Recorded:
{"hour": 3, "minute": 49}
